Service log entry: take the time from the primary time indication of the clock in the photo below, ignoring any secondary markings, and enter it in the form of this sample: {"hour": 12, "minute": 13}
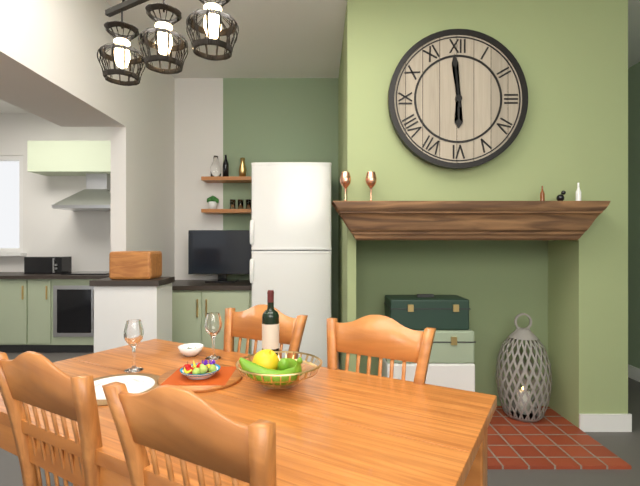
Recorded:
{"hour": 5, "minute": 59}
